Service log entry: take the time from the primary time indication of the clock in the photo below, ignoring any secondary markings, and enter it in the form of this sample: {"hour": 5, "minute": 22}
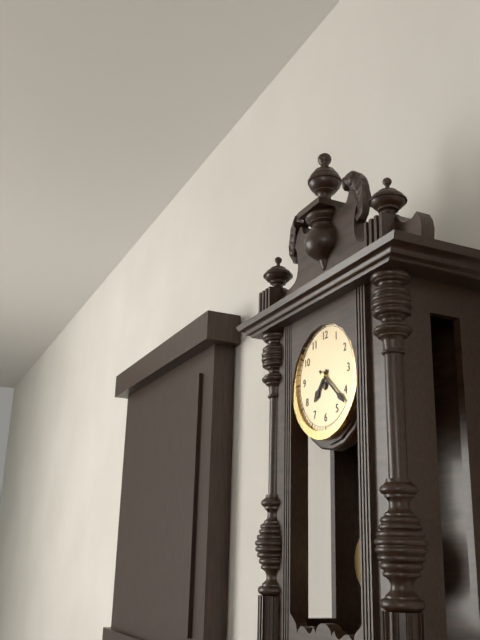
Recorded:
{"hour": 7, "minute": 22}
